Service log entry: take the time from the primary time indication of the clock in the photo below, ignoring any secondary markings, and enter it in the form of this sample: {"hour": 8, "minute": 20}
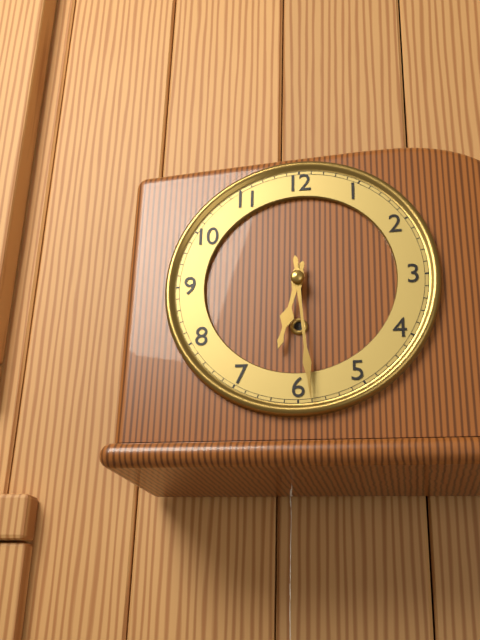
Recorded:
{"hour": 6, "minute": 29}
